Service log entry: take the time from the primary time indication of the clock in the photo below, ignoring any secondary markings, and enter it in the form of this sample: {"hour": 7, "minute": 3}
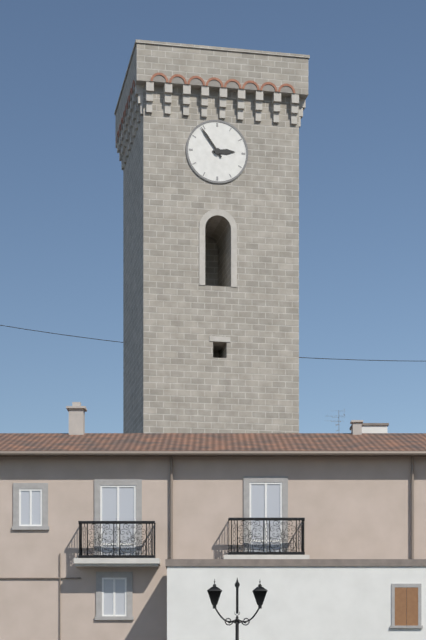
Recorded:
{"hour": 2, "minute": 54}
